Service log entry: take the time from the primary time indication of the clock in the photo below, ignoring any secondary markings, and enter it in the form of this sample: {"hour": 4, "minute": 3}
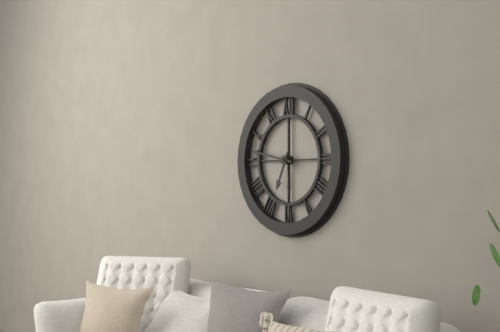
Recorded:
{"hour": 6, "minute": 47}
